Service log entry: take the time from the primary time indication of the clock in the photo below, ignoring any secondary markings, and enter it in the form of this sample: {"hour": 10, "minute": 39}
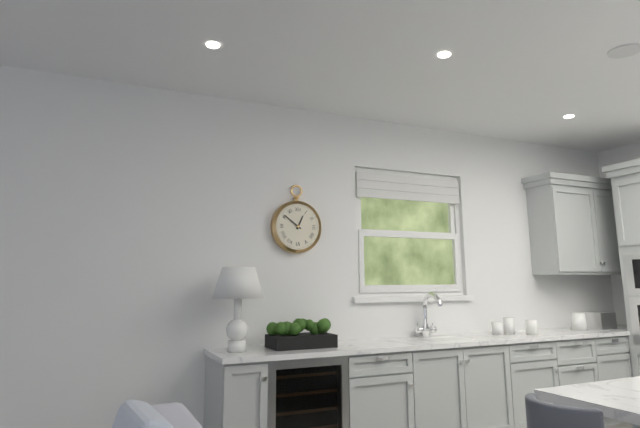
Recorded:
{"hour": 12, "minute": 51}
